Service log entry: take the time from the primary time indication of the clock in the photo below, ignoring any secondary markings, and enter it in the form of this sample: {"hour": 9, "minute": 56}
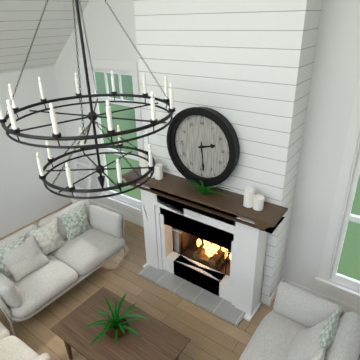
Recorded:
{"hour": 2, "minute": 29}
